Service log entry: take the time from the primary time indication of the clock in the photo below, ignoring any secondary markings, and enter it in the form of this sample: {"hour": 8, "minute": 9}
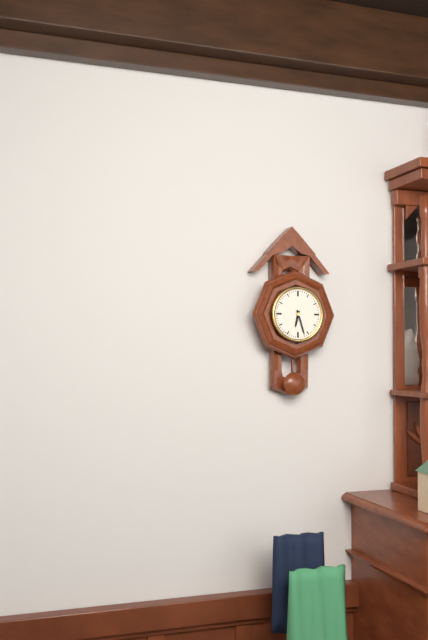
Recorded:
{"hour": 6, "minute": 27}
